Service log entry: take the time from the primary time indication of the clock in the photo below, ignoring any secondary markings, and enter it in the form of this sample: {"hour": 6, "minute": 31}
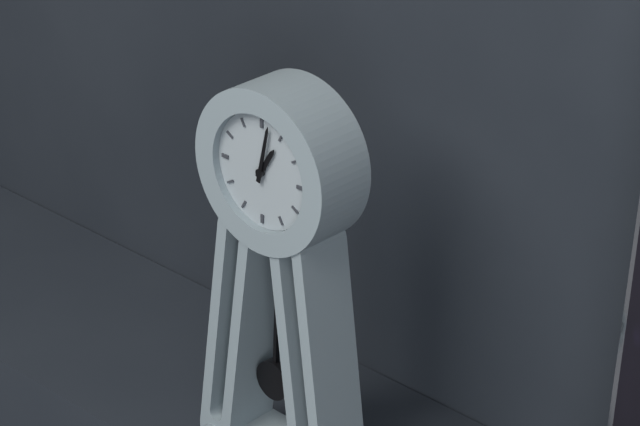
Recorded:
{"hour": 1, "minute": 2}
